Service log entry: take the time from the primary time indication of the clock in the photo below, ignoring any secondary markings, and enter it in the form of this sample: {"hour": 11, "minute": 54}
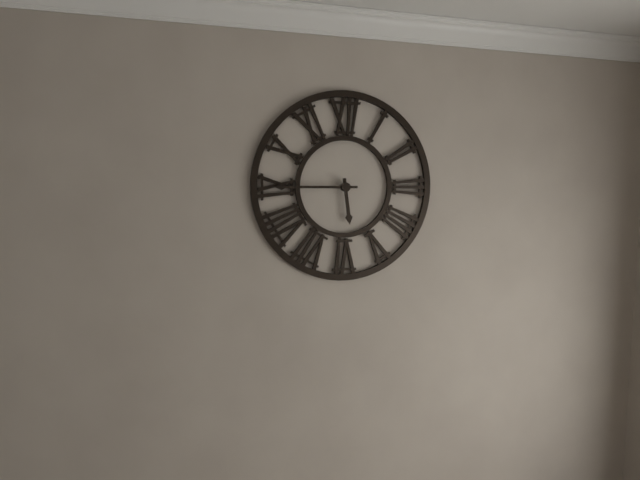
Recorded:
{"hour": 5, "minute": 45}
